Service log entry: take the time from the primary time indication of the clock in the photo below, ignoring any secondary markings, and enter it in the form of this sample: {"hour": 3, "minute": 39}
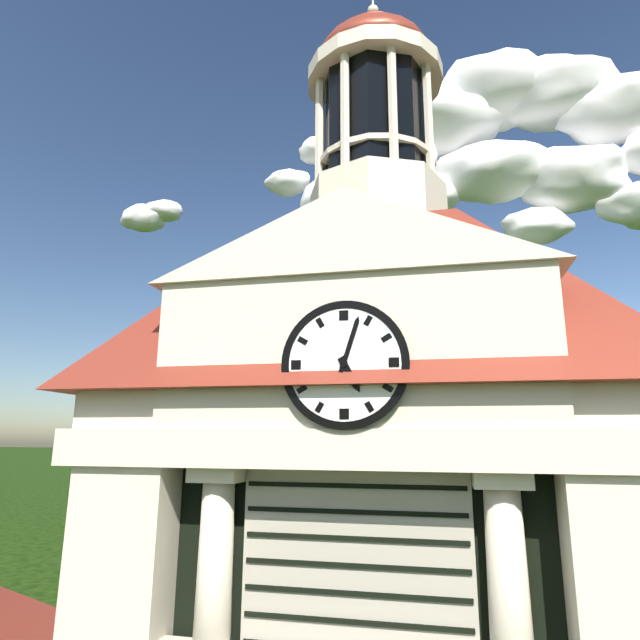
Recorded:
{"hour": 5, "minute": 3}
